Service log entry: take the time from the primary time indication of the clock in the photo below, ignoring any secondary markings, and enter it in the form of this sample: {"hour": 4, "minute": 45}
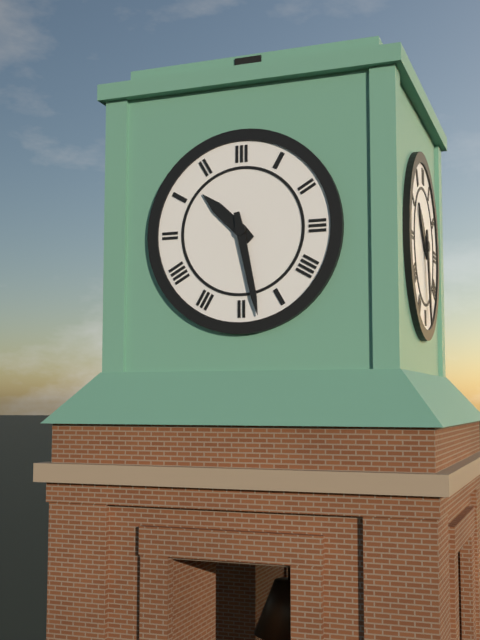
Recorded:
{"hour": 10, "minute": 28}
